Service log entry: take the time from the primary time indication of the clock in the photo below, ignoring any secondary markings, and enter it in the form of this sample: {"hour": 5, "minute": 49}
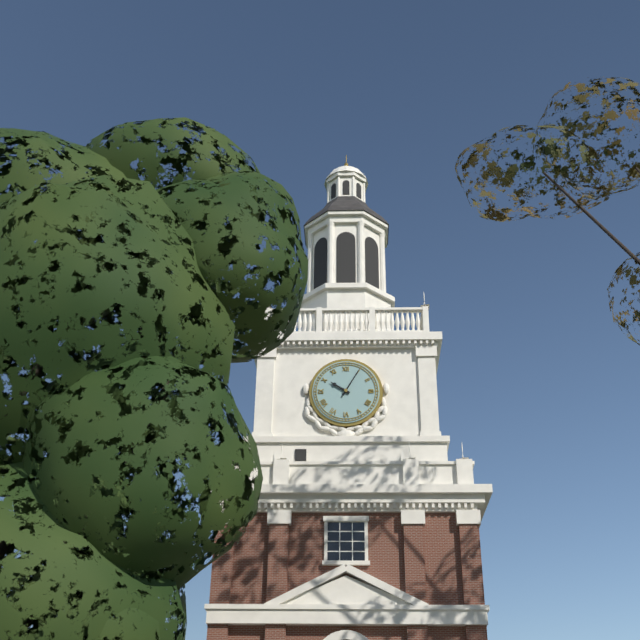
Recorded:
{"hour": 10, "minute": 5}
